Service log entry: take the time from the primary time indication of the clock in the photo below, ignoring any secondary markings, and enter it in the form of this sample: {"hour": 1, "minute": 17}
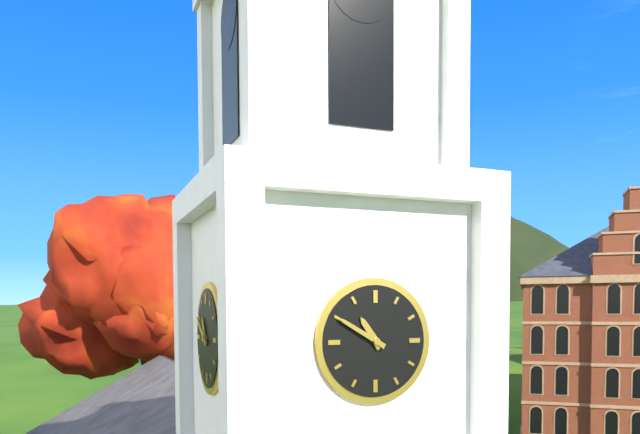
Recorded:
{"hour": 10, "minute": 50}
